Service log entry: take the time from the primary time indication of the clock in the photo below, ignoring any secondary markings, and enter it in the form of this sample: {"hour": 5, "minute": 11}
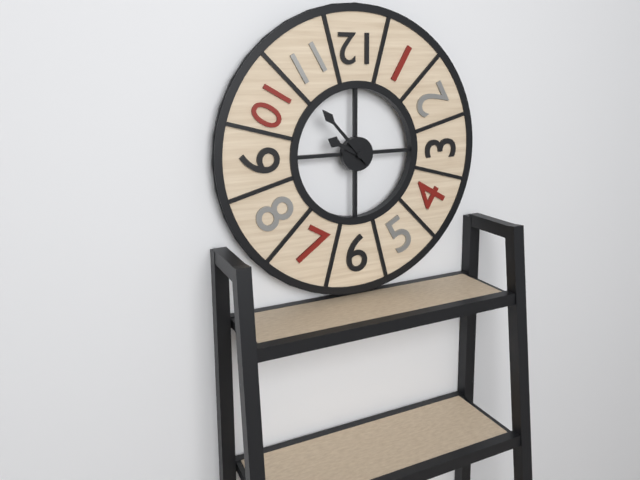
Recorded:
{"hour": 9, "minute": 53}
